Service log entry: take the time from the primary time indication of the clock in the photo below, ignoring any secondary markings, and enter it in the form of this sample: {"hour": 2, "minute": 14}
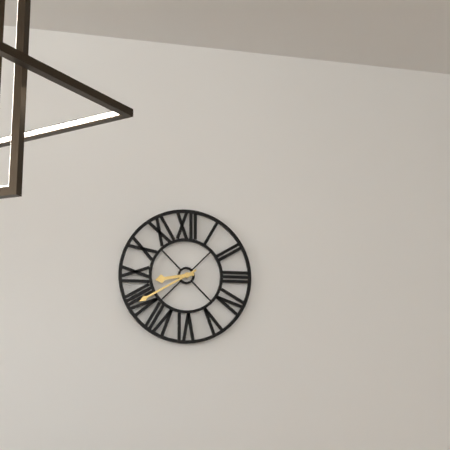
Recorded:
{"hour": 8, "minute": 40}
